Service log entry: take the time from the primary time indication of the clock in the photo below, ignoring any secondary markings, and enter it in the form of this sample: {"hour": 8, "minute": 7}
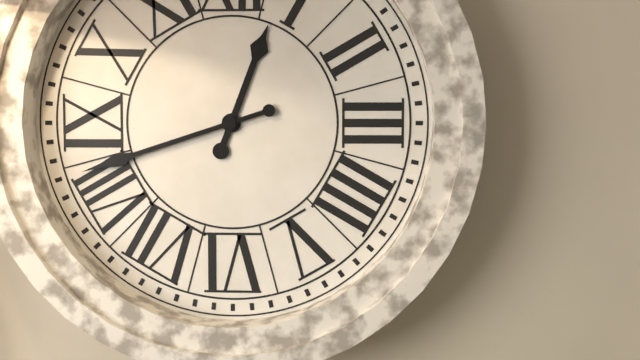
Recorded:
{"hour": 12, "minute": 42}
